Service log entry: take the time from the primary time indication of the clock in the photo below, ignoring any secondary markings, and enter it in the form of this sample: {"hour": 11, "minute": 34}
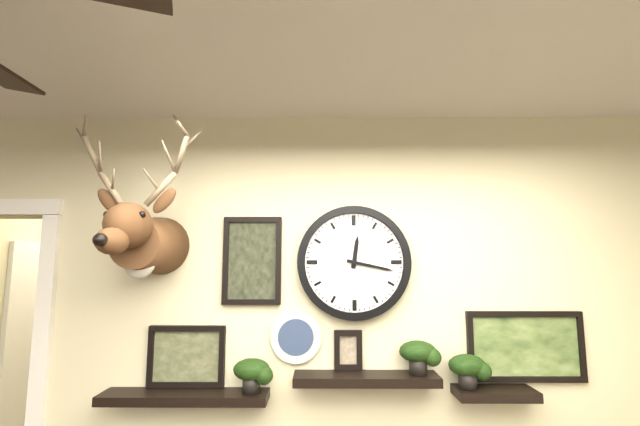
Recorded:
{"hour": 12, "minute": 17}
